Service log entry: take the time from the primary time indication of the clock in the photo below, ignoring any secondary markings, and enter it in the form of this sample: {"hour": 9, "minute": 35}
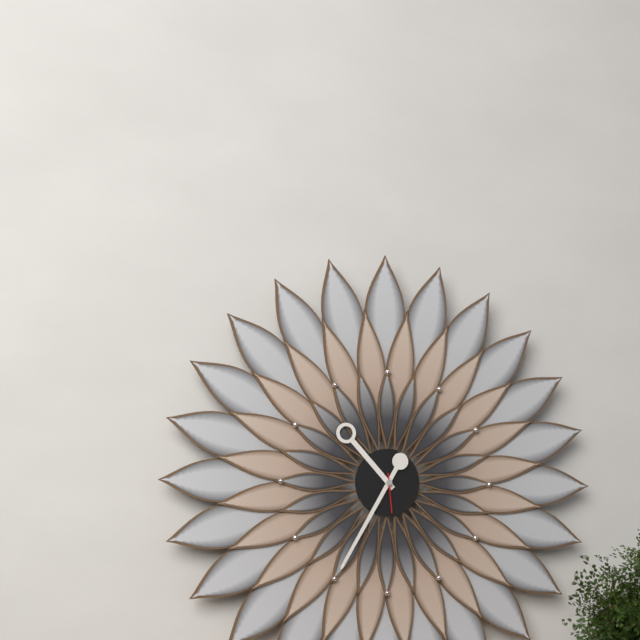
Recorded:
{"hour": 10, "minute": 35}
